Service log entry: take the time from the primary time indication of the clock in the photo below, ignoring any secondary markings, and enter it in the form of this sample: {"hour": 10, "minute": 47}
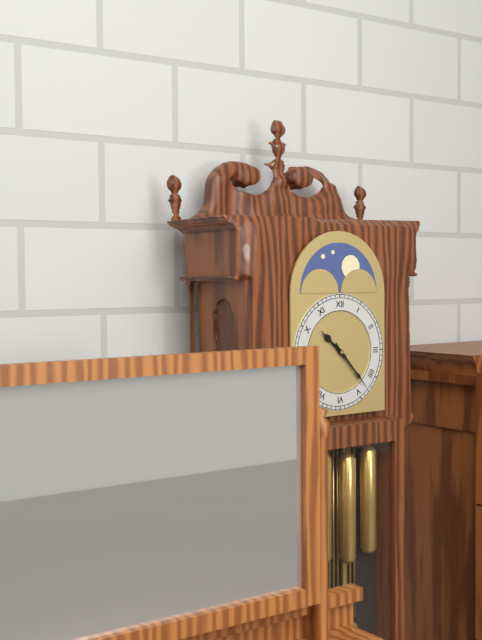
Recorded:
{"hour": 10, "minute": 23}
